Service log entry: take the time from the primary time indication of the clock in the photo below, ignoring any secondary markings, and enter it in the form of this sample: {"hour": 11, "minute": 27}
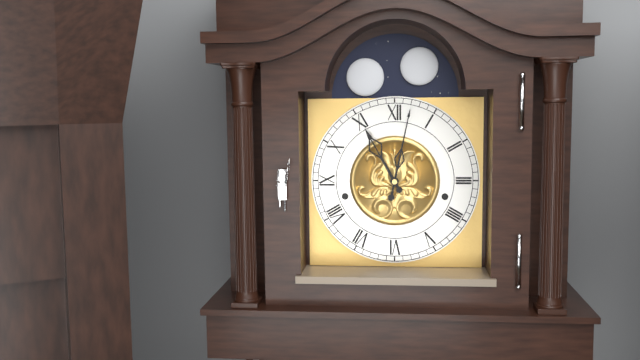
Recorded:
{"hour": 11, "minute": 2}
